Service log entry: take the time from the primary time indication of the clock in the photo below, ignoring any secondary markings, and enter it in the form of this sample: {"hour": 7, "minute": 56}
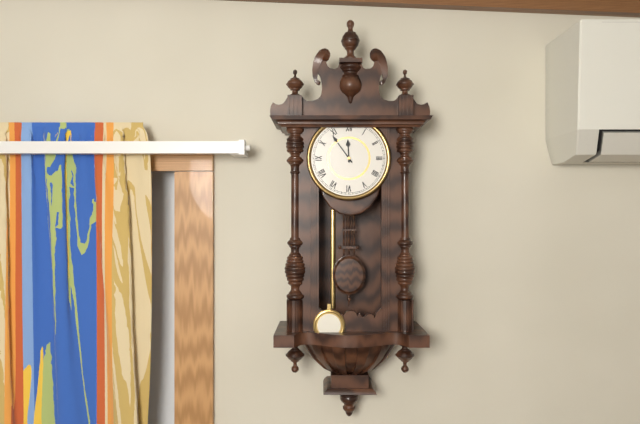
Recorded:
{"hour": 11, "minute": 54}
